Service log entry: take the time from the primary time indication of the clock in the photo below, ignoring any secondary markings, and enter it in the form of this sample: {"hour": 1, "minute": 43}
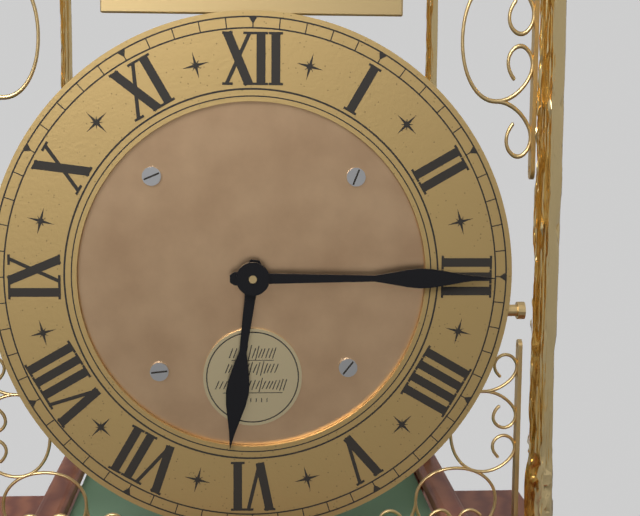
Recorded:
{"hour": 6, "minute": 15}
